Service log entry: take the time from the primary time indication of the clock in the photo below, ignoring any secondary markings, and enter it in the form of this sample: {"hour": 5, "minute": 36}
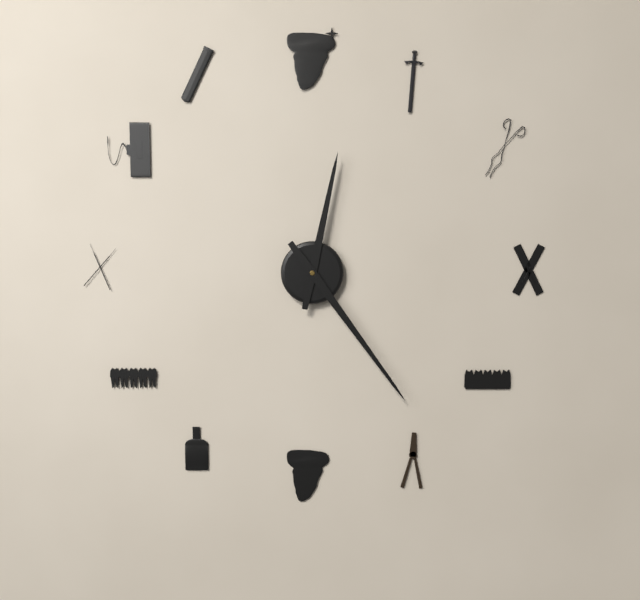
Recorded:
{"hour": 12, "minute": 24}
